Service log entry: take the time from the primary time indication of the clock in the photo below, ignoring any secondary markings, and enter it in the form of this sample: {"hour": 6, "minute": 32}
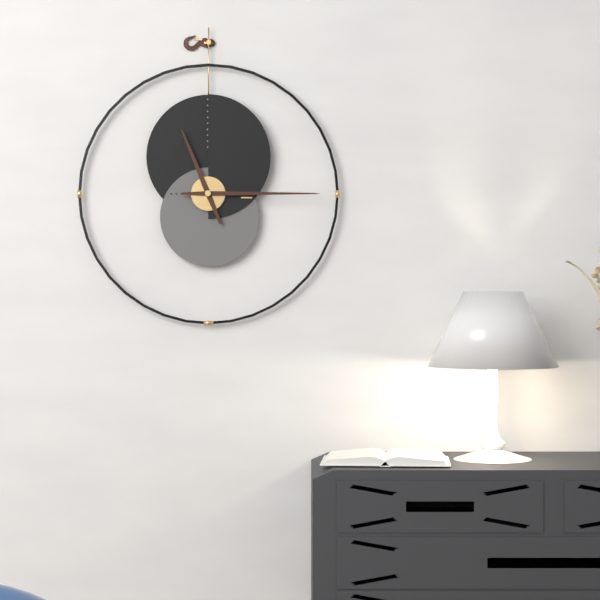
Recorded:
{"hour": 11, "minute": 15}
